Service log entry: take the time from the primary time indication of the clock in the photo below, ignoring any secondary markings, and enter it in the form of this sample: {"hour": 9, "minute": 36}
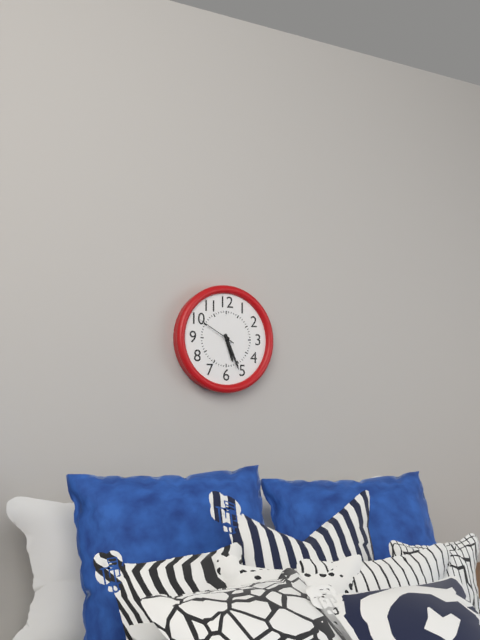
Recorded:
{"hour": 5, "minute": 26}
